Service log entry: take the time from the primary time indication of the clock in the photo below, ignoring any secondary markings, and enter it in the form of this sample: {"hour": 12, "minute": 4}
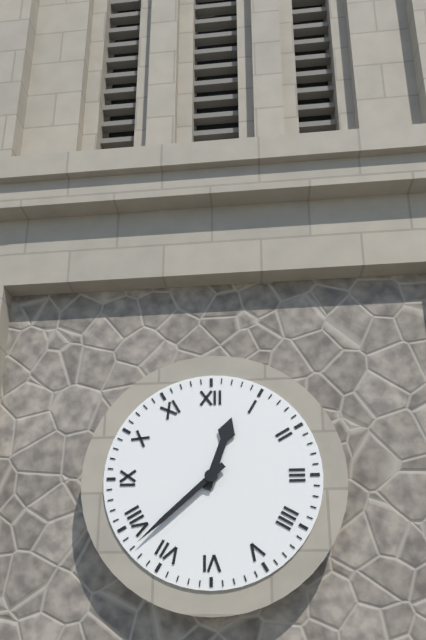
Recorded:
{"hour": 12, "minute": 38}
